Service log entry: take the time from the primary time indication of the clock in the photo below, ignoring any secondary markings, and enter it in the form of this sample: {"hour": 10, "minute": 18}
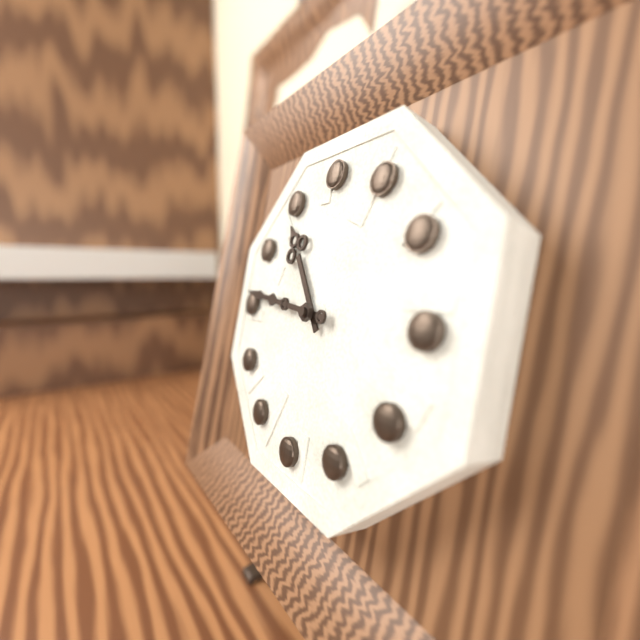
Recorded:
{"hour": 10, "minute": 46}
